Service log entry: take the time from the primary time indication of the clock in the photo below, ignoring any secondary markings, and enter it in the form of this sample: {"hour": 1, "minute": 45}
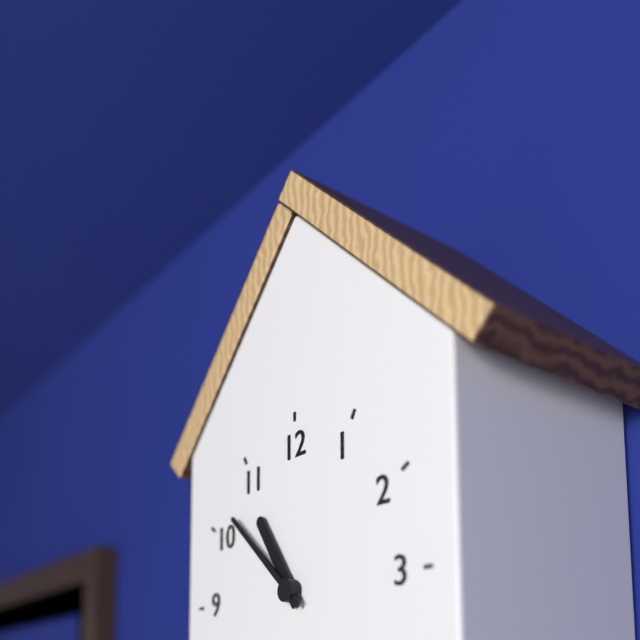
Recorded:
{"hour": 10, "minute": 52}
